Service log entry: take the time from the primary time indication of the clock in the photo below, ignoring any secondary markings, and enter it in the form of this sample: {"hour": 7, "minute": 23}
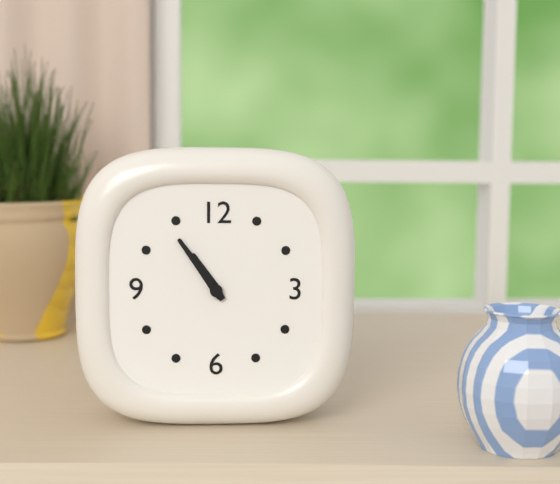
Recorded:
{"hour": 10, "minute": 54}
